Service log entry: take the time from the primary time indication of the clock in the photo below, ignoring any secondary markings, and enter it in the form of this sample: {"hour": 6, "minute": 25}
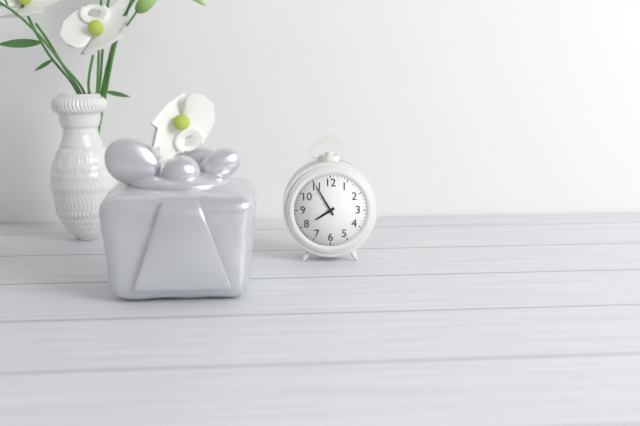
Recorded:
{"hour": 7, "minute": 55}
